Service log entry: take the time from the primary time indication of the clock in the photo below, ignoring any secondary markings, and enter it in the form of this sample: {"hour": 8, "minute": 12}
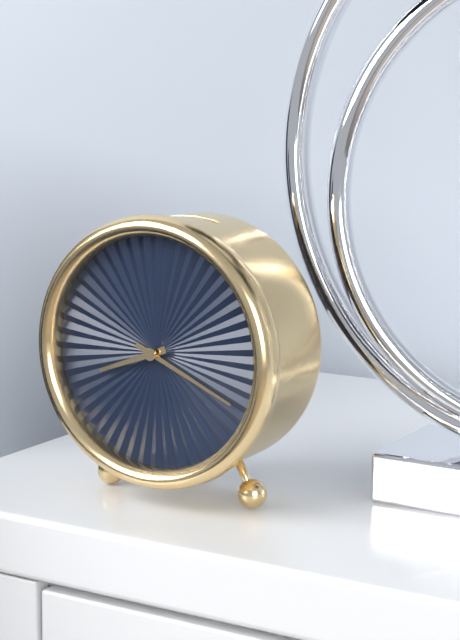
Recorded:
{"hour": 8, "minute": 19}
